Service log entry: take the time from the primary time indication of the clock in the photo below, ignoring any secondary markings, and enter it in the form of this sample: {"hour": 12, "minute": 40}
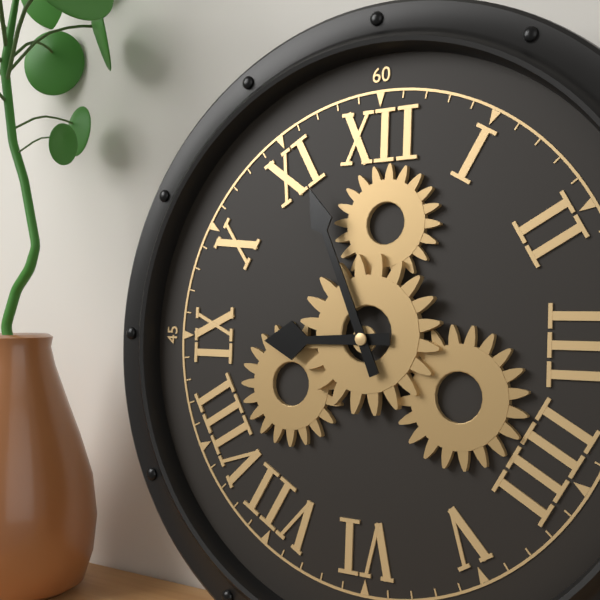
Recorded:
{"hour": 8, "minute": 56}
